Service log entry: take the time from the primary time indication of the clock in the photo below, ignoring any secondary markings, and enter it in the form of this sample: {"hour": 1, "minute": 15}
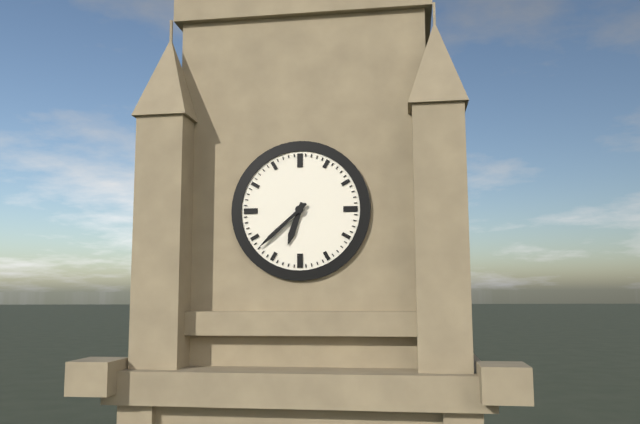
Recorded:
{"hour": 6, "minute": 38}
